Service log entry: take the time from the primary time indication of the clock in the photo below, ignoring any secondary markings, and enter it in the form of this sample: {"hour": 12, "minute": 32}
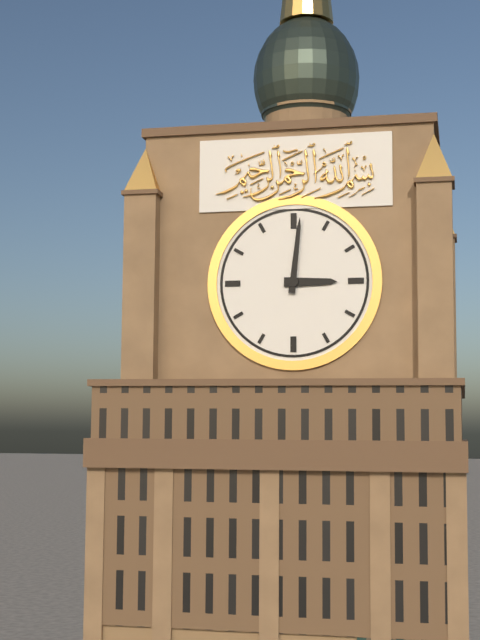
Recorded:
{"hour": 3, "minute": 1}
